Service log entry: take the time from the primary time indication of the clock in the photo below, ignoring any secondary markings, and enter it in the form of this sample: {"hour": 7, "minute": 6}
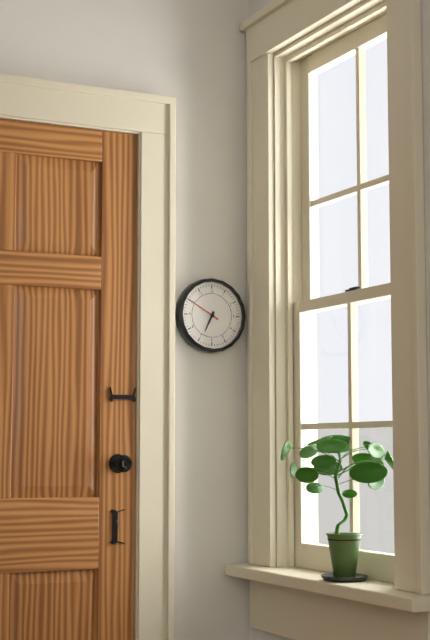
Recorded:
{"hour": 6, "minute": 50}
